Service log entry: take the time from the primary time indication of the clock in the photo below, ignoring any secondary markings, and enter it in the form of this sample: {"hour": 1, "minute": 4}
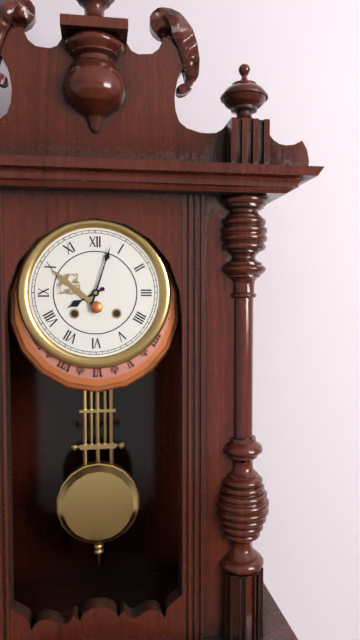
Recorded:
{"hour": 8, "minute": 3}
